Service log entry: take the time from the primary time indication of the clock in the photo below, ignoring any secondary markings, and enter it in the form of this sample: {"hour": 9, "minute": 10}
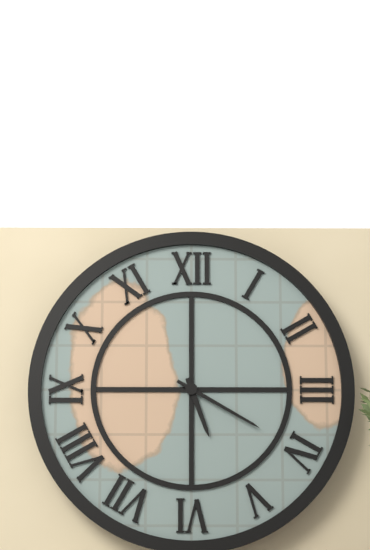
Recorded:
{"hour": 5, "minute": 20}
